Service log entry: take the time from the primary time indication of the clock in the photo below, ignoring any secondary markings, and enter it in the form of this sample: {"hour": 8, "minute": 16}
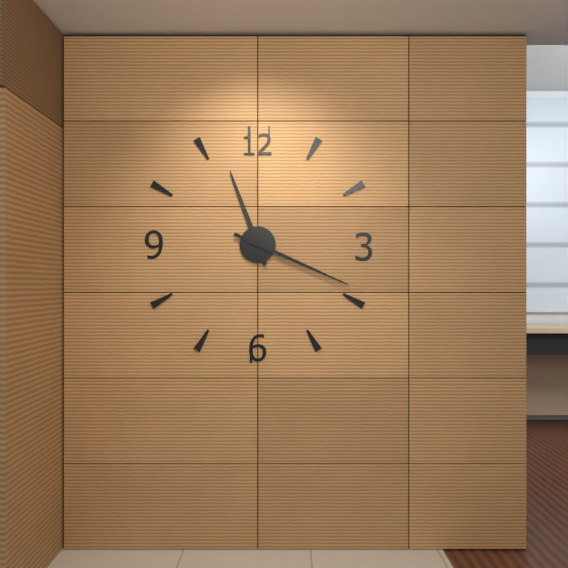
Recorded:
{"hour": 11, "minute": 19}
